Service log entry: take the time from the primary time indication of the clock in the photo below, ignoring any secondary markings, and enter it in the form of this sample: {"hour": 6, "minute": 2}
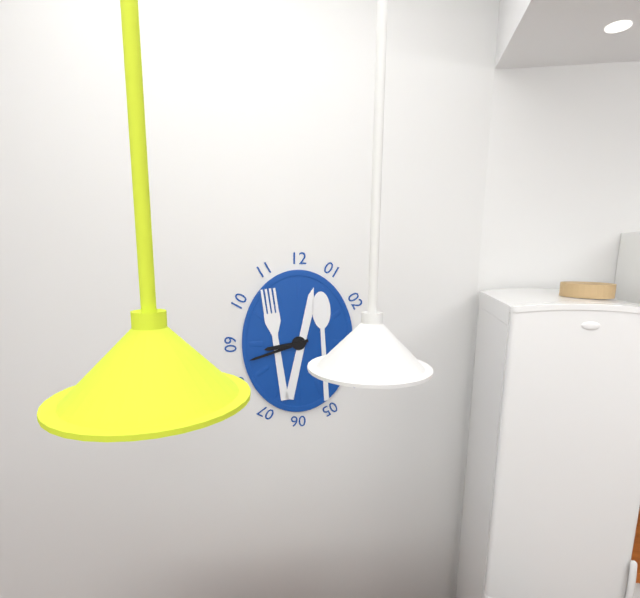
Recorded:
{"hour": 8, "minute": 42}
